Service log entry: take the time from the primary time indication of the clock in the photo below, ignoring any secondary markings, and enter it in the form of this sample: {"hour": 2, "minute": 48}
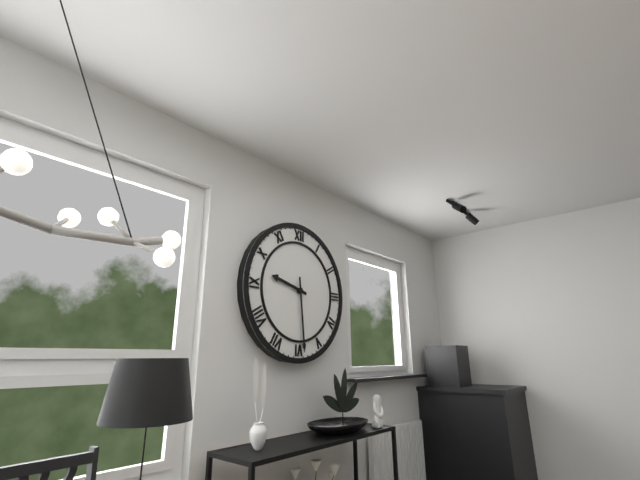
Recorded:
{"hour": 9, "minute": 29}
